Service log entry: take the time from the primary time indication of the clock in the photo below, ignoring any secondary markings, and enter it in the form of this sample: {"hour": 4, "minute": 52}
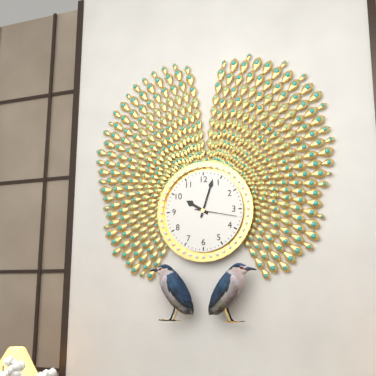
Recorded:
{"hour": 10, "minute": 3}
